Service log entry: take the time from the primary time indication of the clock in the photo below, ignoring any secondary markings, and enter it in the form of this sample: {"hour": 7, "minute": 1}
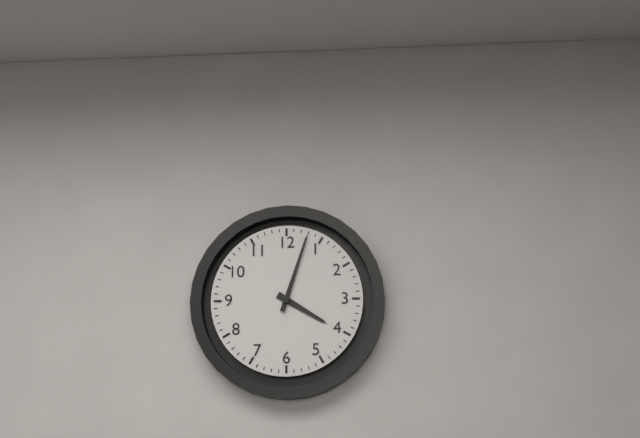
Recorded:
{"hour": 4, "minute": 3}
